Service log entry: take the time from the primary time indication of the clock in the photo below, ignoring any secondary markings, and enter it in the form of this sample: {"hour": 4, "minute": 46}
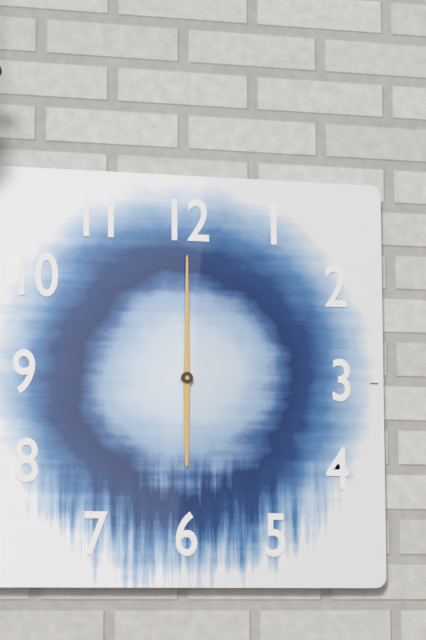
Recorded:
{"hour": 6, "minute": 0}
